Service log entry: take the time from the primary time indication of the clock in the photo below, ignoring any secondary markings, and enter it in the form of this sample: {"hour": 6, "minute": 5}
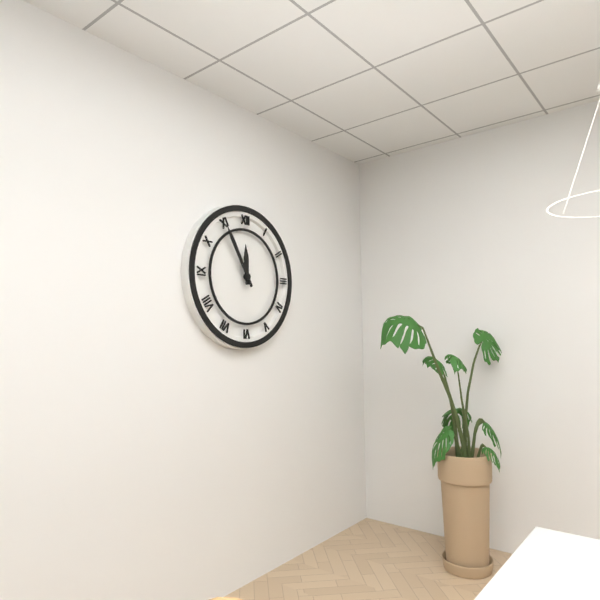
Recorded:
{"hour": 11, "minute": 55}
